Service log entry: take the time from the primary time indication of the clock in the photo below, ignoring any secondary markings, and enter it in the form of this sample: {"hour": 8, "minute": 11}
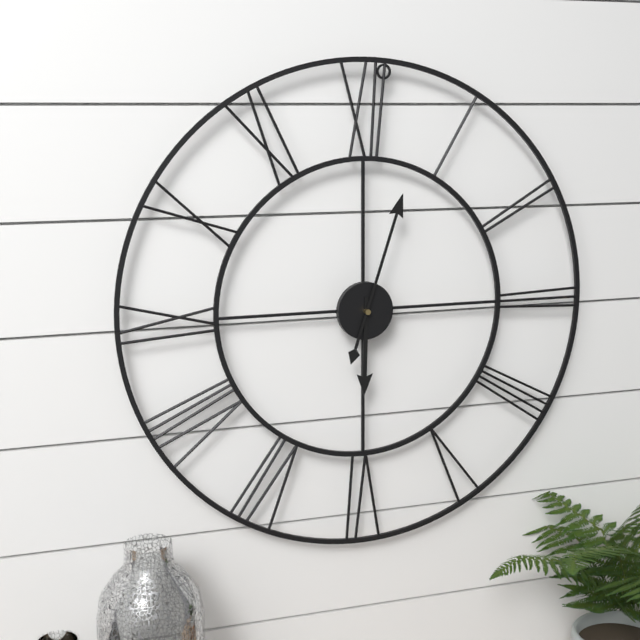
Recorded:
{"hour": 6, "minute": 3}
